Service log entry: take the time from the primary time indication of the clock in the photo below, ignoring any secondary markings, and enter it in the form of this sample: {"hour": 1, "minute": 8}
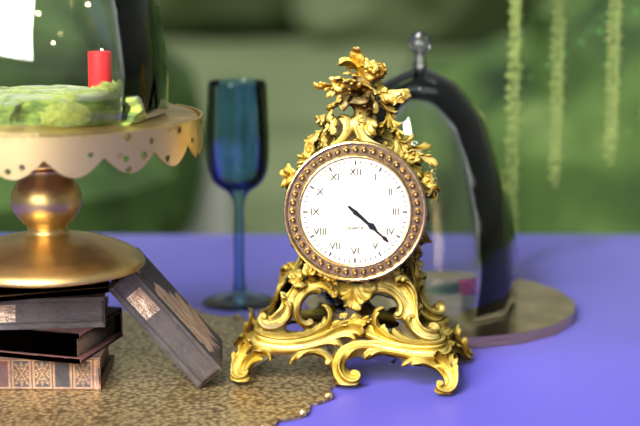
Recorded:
{"hour": 4, "minute": 22}
